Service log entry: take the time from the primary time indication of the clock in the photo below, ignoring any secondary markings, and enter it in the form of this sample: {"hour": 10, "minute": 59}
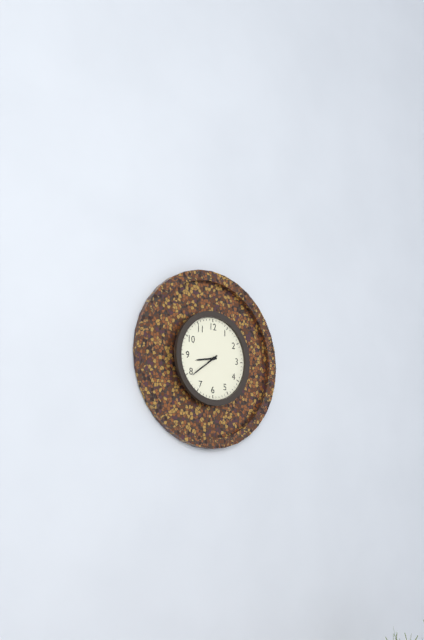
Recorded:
{"hour": 8, "minute": 39}
